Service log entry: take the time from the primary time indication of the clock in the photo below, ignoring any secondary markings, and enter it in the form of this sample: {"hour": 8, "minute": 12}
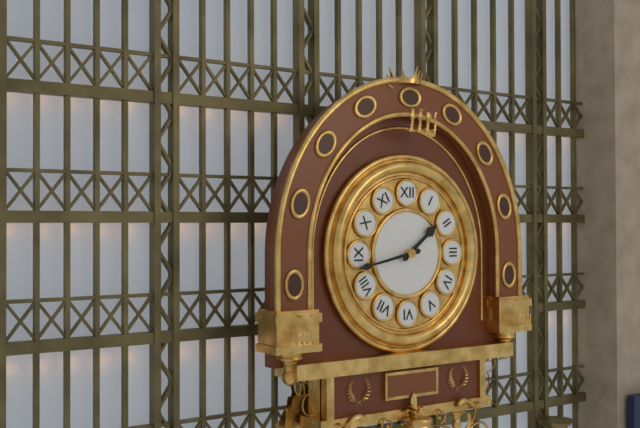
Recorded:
{"hour": 1, "minute": 43}
